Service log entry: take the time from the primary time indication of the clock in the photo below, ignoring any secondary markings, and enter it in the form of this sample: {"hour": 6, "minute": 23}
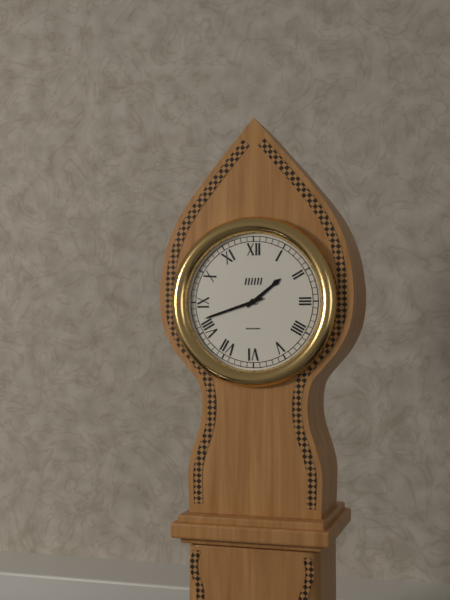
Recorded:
{"hour": 1, "minute": 42}
